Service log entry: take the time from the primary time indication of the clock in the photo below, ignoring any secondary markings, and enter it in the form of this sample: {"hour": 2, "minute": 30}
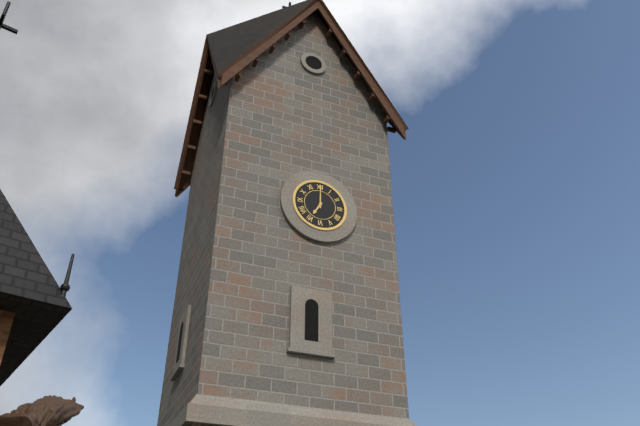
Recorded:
{"hour": 7, "minute": 0}
